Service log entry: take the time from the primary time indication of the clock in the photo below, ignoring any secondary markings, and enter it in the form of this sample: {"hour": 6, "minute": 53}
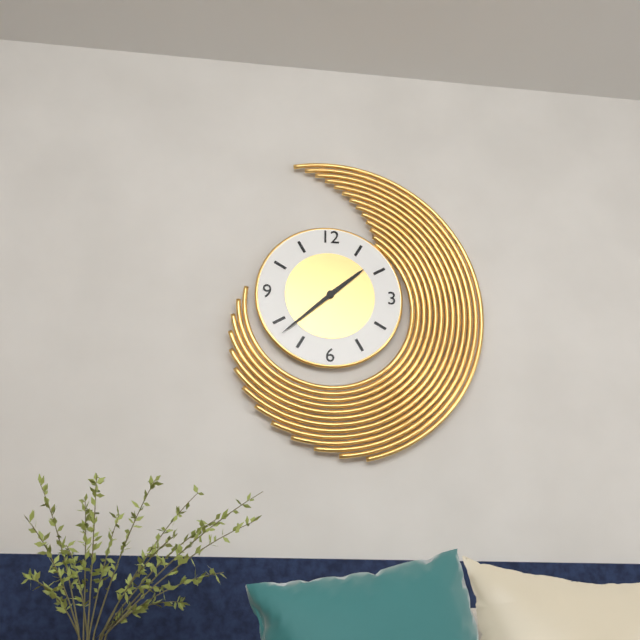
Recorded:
{"hour": 1, "minute": 38}
